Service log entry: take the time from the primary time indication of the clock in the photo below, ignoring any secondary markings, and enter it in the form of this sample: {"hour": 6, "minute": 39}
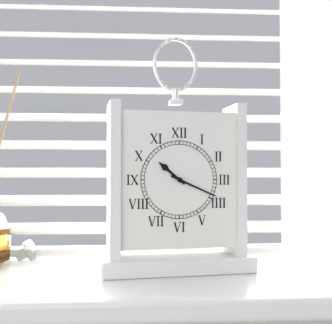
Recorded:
{"hour": 10, "minute": 19}
